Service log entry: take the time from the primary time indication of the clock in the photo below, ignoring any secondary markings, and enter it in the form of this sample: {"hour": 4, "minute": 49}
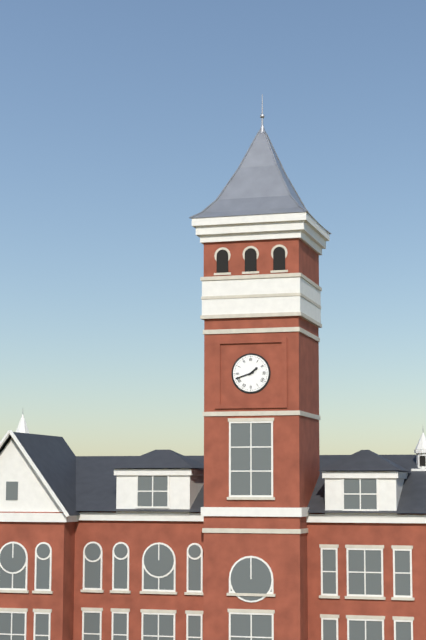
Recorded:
{"hour": 1, "minute": 42}
